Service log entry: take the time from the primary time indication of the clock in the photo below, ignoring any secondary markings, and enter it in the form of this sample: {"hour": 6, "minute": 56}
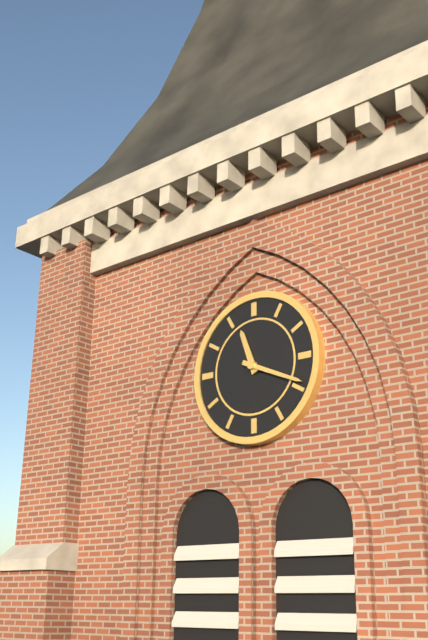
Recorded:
{"hour": 11, "minute": 19}
